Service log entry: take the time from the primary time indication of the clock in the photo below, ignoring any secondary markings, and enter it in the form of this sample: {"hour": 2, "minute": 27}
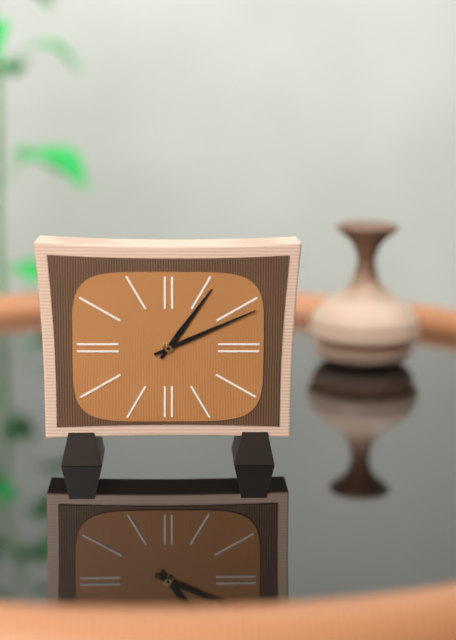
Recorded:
{"hour": 1, "minute": 11}
